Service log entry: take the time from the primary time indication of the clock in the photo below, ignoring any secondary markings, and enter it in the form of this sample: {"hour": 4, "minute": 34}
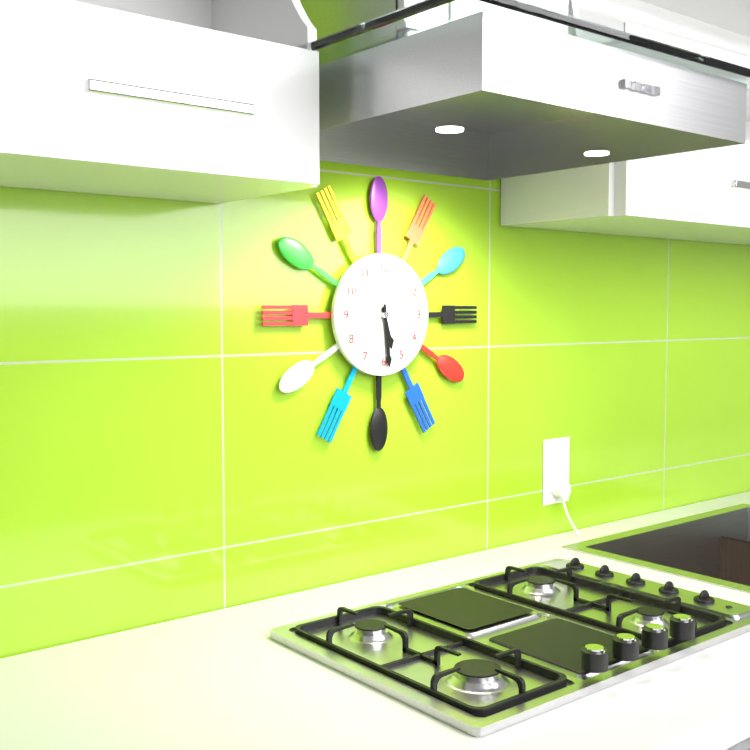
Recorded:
{"hour": 5, "minute": 29}
